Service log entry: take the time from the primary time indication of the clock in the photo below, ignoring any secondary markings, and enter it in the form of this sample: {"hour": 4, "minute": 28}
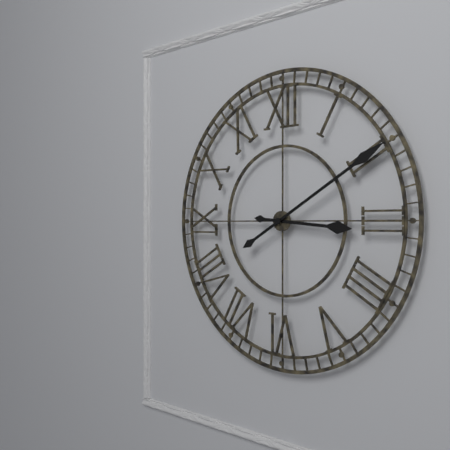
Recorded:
{"hour": 3, "minute": 10}
